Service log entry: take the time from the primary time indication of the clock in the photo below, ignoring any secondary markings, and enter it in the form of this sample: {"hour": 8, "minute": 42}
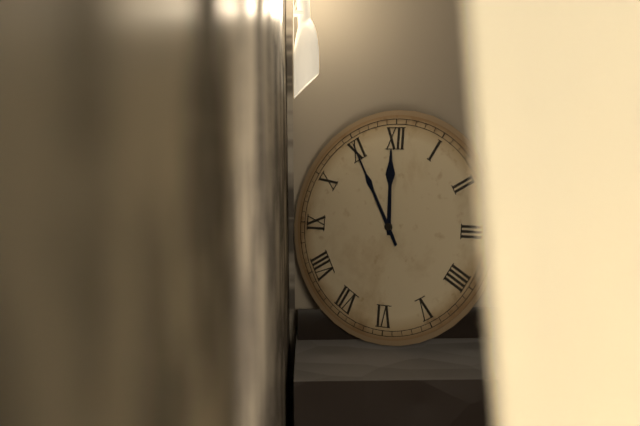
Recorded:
{"hour": 11, "minute": 55}
